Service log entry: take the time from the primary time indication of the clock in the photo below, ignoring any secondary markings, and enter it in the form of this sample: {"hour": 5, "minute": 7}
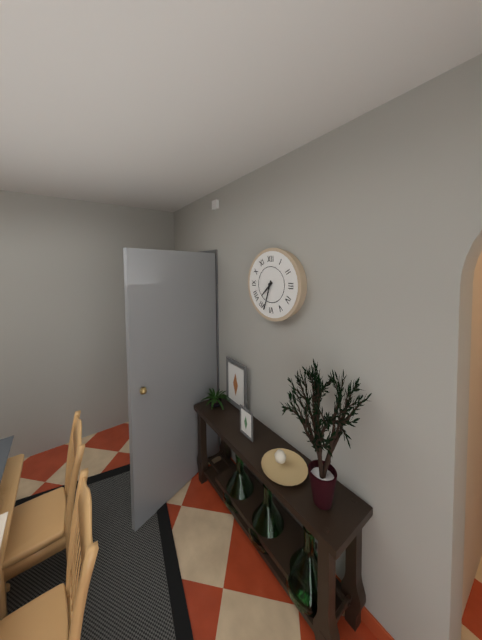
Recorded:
{"hour": 7, "minute": 33}
